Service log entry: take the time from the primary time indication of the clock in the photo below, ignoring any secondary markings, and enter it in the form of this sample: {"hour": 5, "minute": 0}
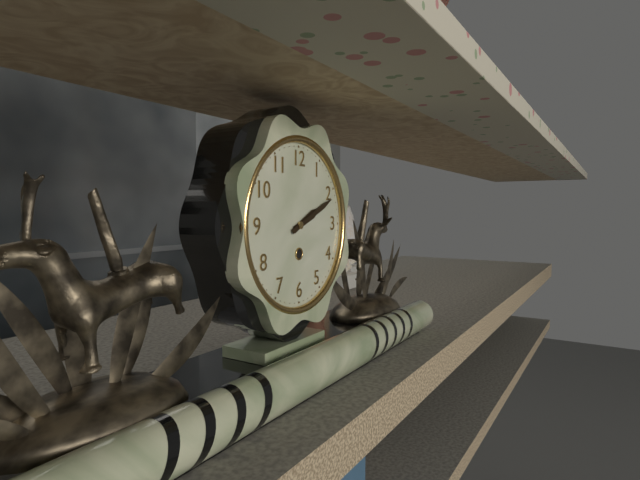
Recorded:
{"hour": 2, "minute": 11}
